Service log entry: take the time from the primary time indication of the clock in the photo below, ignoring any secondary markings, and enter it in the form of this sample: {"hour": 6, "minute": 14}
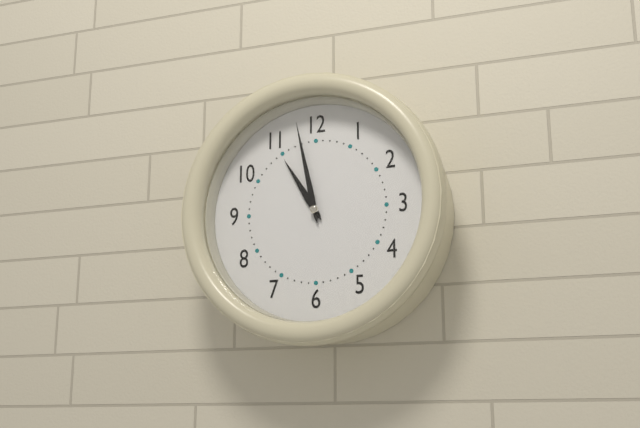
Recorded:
{"hour": 10, "minute": 58}
